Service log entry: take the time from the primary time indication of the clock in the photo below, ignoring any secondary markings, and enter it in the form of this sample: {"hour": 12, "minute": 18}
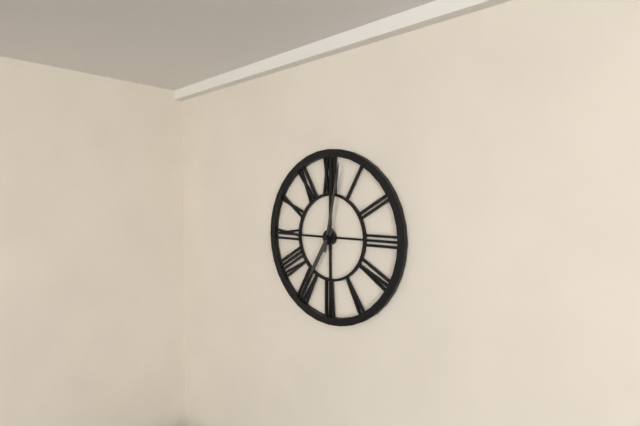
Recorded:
{"hour": 7, "minute": 2}
